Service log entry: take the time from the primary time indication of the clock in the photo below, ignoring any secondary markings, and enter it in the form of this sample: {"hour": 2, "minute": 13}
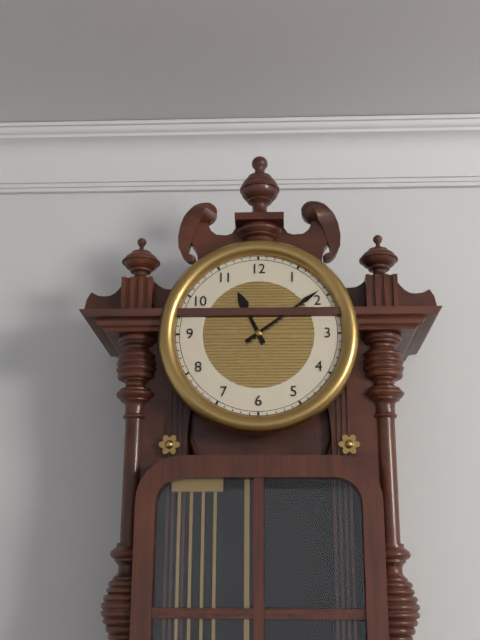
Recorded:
{"hour": 11, "minute": 9}
